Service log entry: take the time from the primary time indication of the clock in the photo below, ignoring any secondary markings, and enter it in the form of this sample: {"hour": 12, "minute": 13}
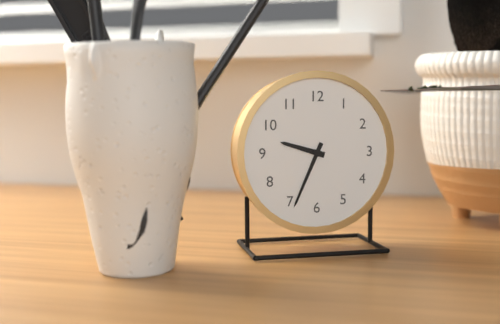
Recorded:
{"hour": 9, "minute": 34}
